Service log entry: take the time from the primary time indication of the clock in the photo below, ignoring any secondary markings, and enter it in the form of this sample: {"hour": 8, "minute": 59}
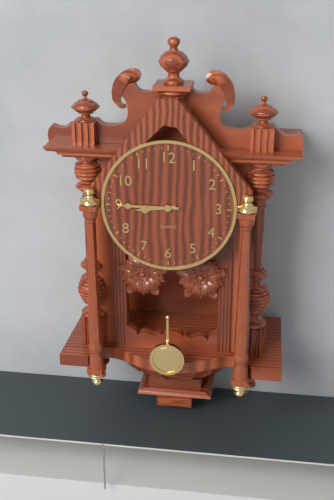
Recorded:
{"hour": 8, "minute": 45}
